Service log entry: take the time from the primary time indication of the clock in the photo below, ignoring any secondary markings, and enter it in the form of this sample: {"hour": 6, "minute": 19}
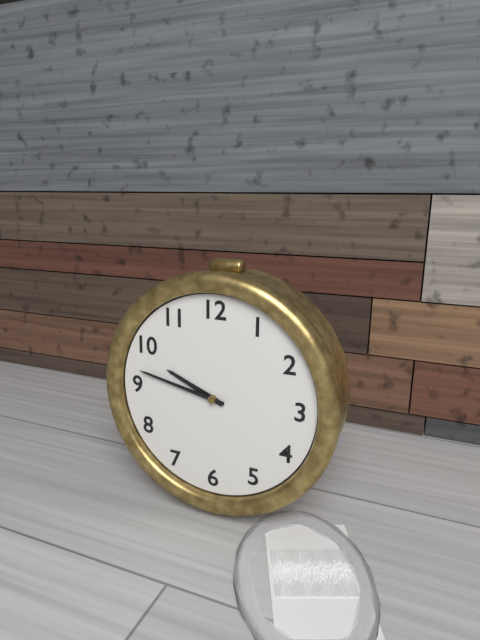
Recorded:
{"hour": 9, "minute": 47}
